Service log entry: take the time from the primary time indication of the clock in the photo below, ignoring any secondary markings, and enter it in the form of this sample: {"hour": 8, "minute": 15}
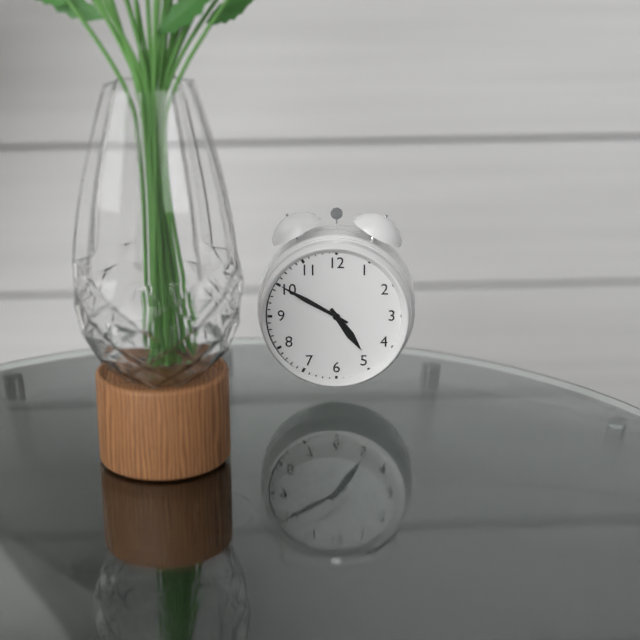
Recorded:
{"hour": 4, "minute": 50}
